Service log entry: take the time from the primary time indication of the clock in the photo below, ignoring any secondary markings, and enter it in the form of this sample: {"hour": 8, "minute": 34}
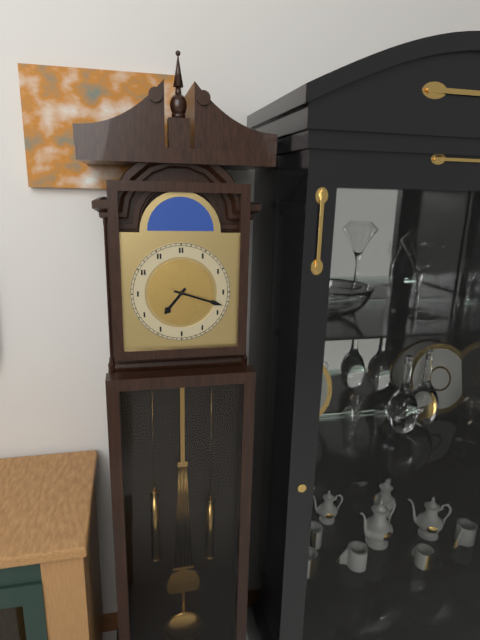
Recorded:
{"hour": 7, "minute": 18}
